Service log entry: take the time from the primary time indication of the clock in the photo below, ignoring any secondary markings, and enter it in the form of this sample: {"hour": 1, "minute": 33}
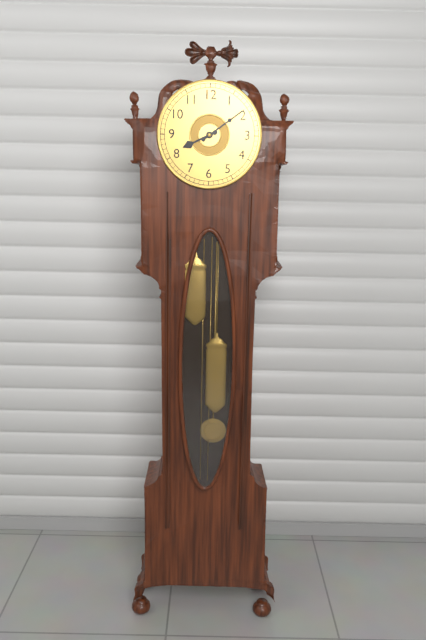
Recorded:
{"hour": 8, "minute": 9}
